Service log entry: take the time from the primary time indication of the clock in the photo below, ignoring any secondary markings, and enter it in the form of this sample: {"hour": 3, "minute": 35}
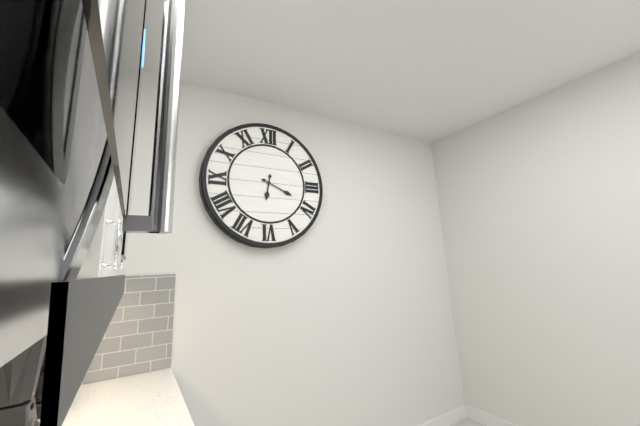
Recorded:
{"hour": 6, "minute": 19}
